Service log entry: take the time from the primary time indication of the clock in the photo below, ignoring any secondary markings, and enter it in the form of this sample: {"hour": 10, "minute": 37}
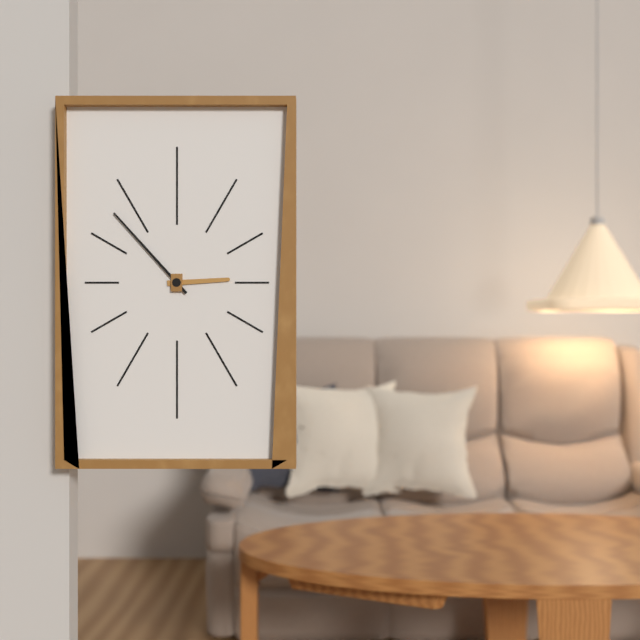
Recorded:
{"hour": 2, "minute": 53}
